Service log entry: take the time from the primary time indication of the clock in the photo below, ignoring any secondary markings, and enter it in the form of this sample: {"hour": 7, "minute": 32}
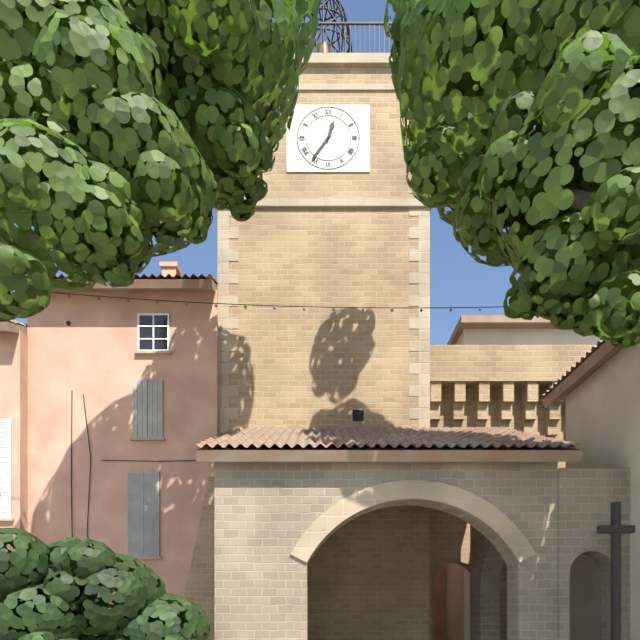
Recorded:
{"hour": 12, "minute": 36}
